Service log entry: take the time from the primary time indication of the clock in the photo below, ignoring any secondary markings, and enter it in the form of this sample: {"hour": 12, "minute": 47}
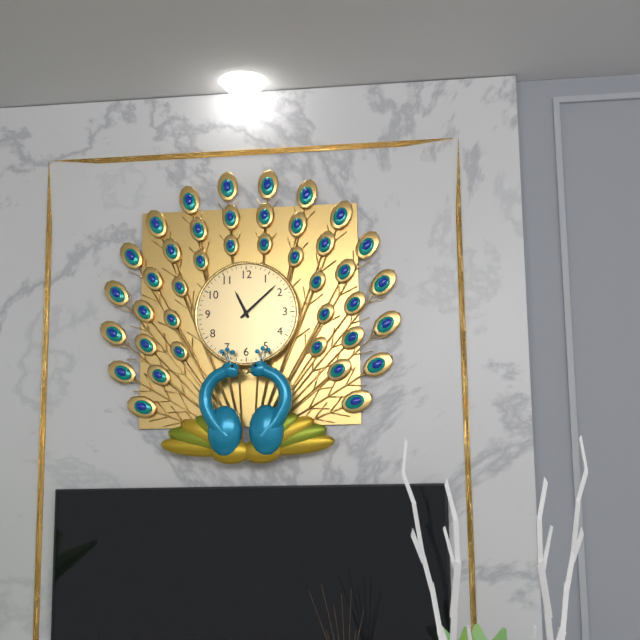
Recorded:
{"hour": 11, "minute": 8}
